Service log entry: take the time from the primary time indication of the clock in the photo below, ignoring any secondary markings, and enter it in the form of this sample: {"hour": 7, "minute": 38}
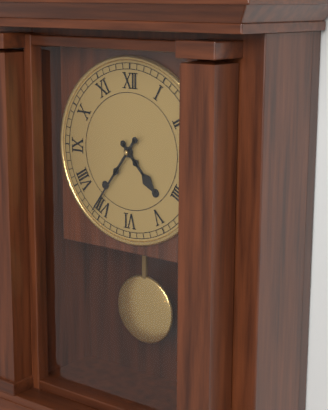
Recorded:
{"hour": 4, "minute": 36}
